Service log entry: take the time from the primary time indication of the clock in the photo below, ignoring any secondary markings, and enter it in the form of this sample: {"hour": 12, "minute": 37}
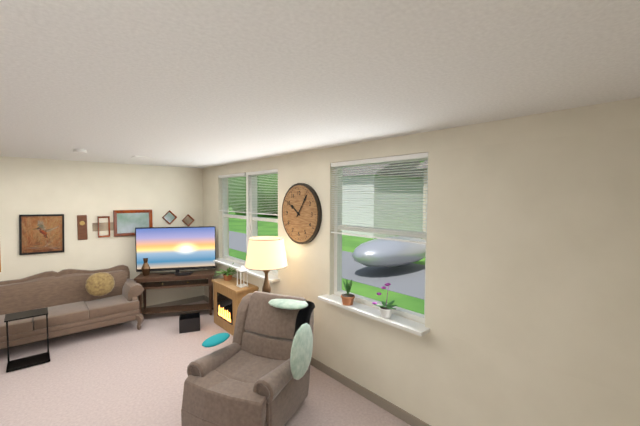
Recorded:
{"hour": 10, "minute": 6}
